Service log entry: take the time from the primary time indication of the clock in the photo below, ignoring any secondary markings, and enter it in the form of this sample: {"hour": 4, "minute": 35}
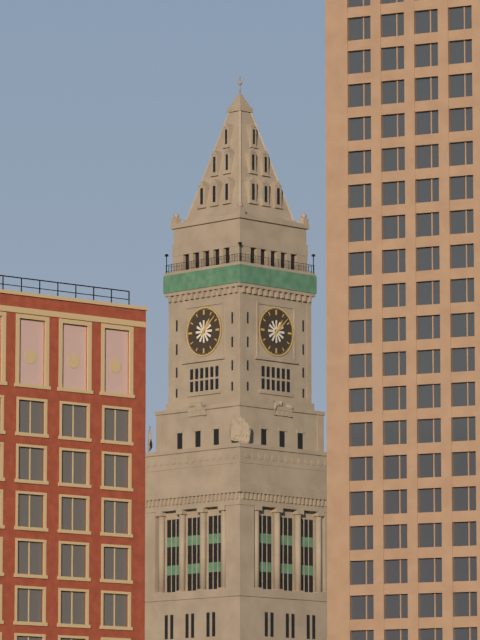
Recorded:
{"hour": 1, "minute": 8}
